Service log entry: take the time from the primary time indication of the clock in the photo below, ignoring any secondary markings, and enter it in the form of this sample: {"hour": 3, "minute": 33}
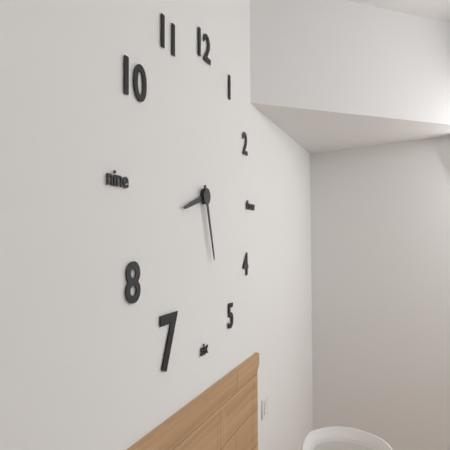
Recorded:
{"hour": 8, "minute": 27}
